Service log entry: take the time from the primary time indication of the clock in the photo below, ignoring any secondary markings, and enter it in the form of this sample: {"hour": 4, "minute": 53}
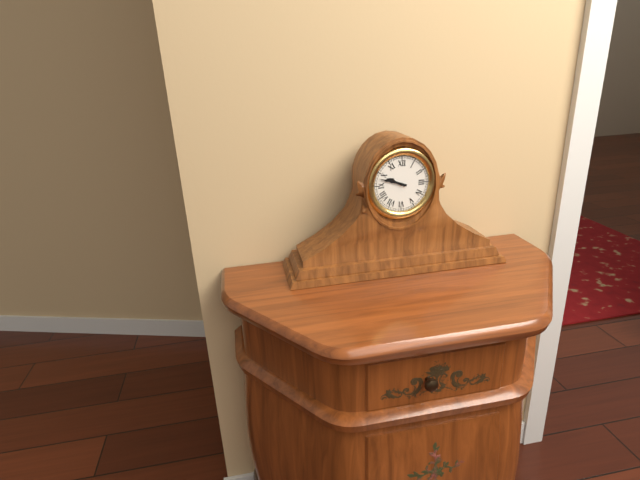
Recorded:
{"hour": 9, "minute": 48}
